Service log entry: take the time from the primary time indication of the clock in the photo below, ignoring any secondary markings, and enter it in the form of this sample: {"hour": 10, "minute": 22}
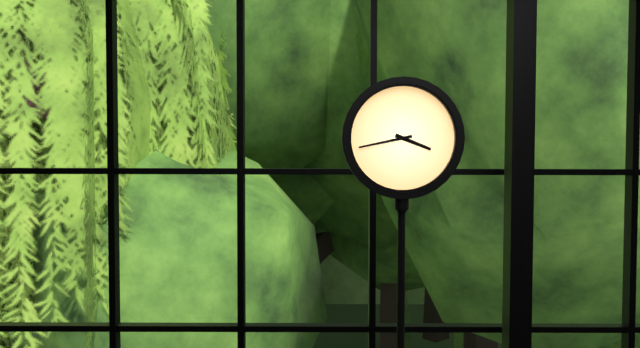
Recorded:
{"hour": 3, "minute": 43}
